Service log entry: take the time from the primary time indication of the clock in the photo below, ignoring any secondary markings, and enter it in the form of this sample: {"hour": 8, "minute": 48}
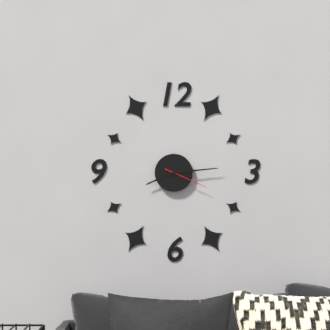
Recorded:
{"hour": 8, "minute": 14}
